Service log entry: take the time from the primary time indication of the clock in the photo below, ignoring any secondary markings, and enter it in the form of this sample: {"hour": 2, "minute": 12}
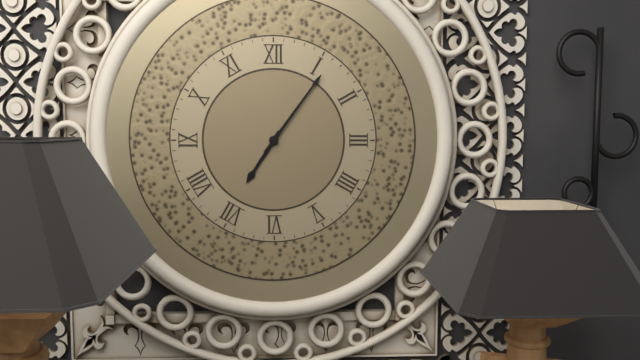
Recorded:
{"hour": 7, "minute": 6}
